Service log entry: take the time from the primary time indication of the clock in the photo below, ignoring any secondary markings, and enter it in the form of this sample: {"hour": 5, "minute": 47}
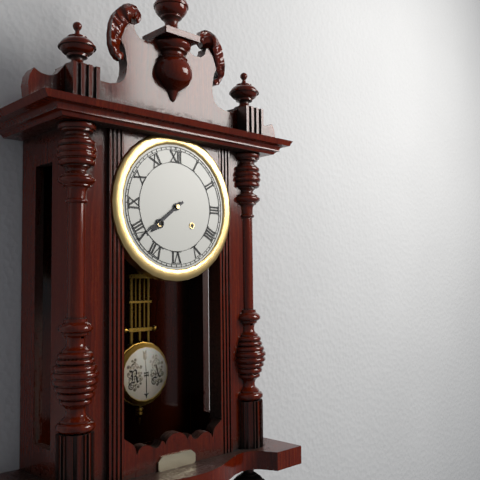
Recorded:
{"hour": 7, "minute": 39}
